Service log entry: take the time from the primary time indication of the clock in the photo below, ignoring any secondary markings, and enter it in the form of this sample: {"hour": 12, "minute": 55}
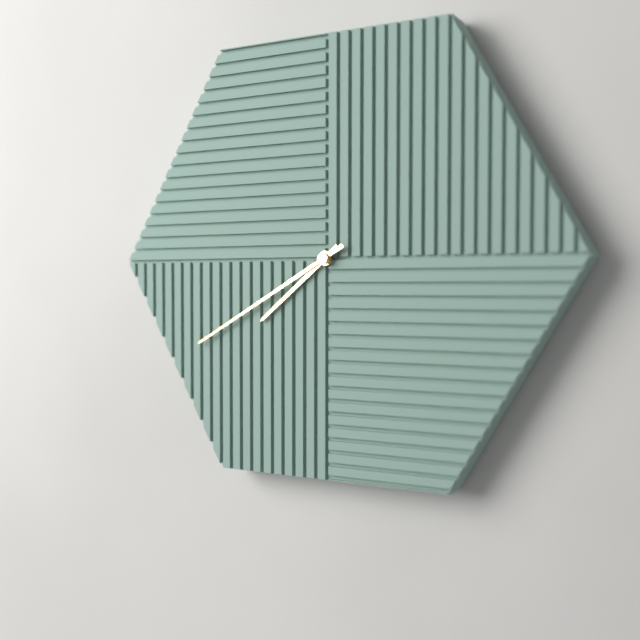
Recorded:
{"hour": 7, "minute": 40}
